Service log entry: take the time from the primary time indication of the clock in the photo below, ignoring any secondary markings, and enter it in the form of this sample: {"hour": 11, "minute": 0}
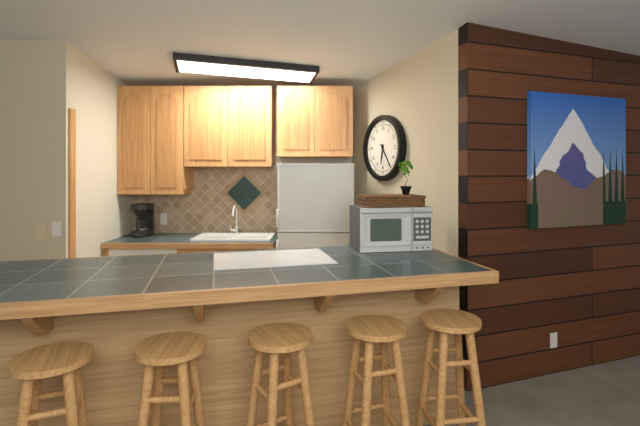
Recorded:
{"hour": 6, "minute": 24}
